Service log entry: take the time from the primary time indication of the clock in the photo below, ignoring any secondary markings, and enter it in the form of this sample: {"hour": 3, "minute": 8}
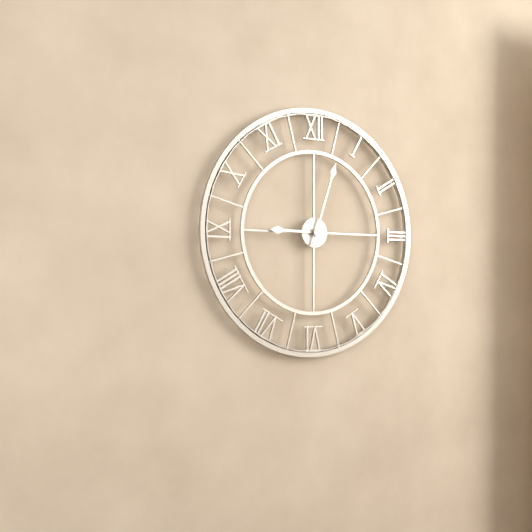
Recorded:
{"hour": 9, "minute": 3}
